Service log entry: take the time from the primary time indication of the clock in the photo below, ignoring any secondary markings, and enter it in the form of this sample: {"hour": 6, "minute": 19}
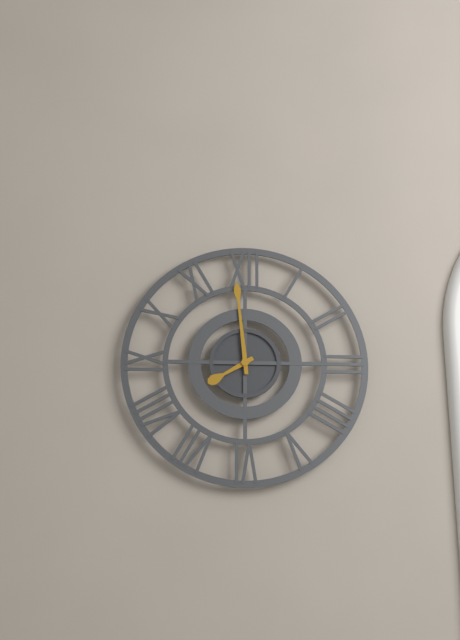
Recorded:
{"hour": 7, "minute": 59}
